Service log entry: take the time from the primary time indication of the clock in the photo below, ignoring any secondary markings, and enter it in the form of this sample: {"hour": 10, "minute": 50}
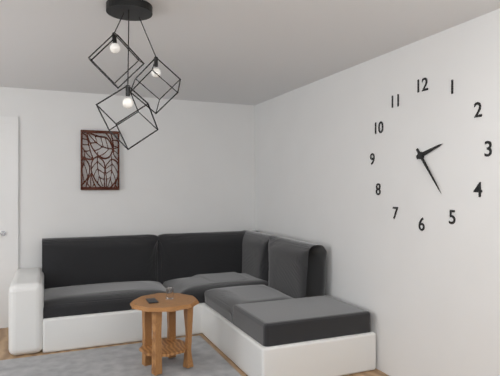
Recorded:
{"hour": 2, "minute": 24}
